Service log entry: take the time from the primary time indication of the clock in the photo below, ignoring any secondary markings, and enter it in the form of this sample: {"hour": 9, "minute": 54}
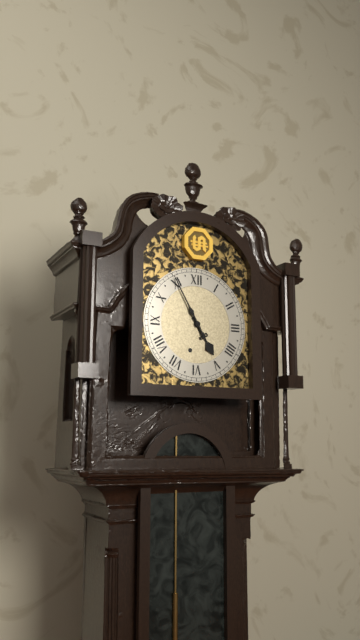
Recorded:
{"hour": 4, "minute": 55}
